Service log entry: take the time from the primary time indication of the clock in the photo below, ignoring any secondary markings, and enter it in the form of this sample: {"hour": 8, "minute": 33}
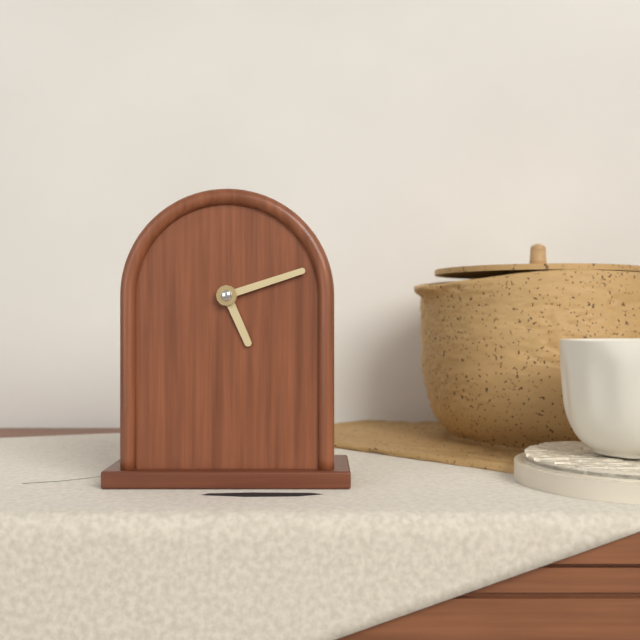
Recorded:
{"hour": 5, "minute": 12}
